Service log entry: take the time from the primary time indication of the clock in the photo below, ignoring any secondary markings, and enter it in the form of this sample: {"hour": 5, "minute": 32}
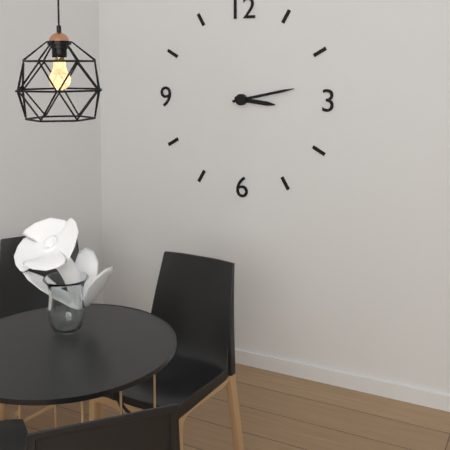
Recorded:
{"hour": 3, "minute": 13}
